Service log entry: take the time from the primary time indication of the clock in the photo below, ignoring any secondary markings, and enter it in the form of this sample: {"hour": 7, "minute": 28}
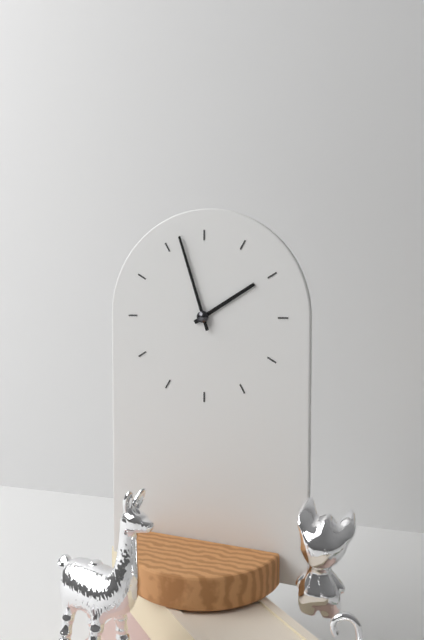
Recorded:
{"hour": 1, "minute": 57}
